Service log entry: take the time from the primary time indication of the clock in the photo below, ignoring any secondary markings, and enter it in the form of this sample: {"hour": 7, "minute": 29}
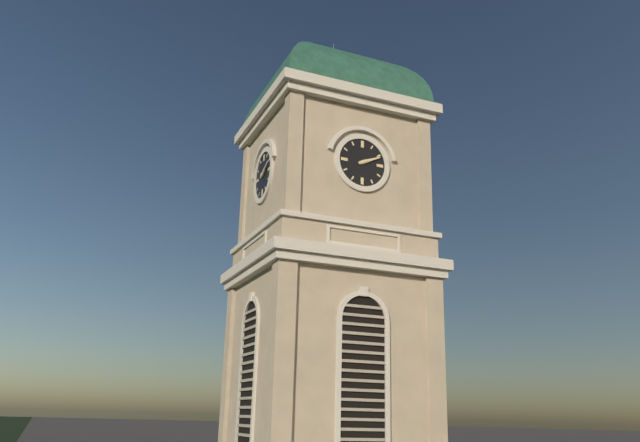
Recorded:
{"hour": 2, "minute": 11}
